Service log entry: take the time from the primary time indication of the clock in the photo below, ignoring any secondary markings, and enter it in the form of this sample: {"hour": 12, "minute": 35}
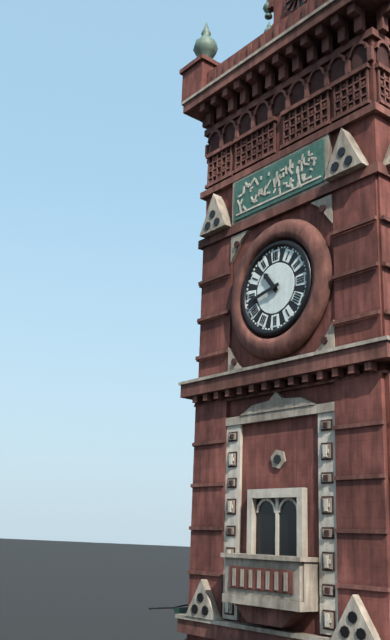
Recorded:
{"hour": 10, "minute": 43}
